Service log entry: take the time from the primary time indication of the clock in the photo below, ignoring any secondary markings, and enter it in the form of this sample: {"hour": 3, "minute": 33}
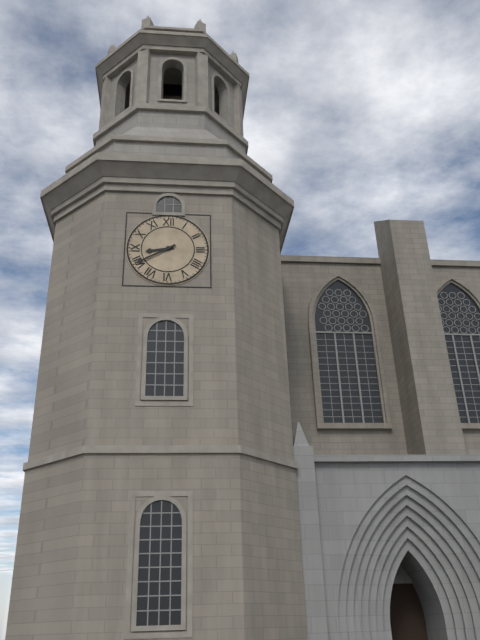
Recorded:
{"hour": 8, "minute": 40}
